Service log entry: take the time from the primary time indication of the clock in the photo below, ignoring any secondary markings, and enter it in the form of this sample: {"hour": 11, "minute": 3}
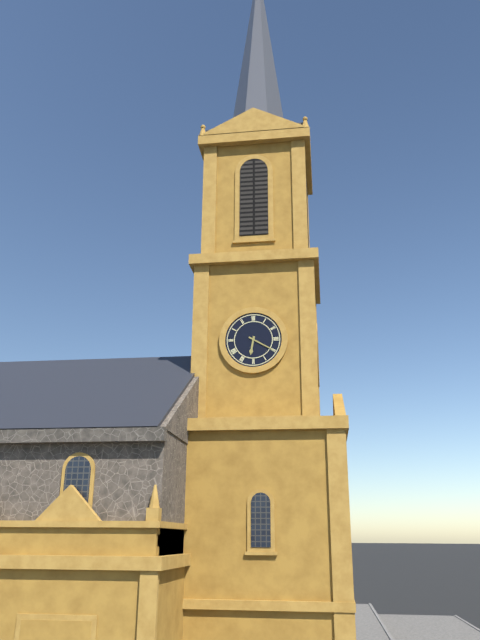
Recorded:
{"hour": 6, "minute": 20}
